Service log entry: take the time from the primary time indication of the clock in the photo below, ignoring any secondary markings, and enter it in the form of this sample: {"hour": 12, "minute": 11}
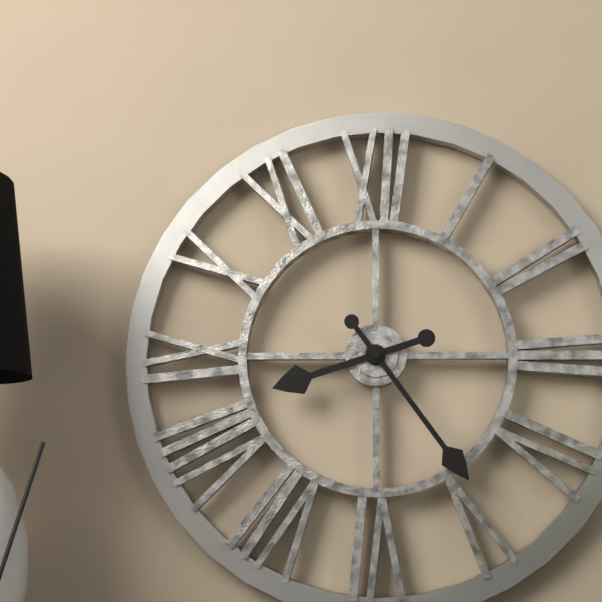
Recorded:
{"hour": 8, "minute": 24}
